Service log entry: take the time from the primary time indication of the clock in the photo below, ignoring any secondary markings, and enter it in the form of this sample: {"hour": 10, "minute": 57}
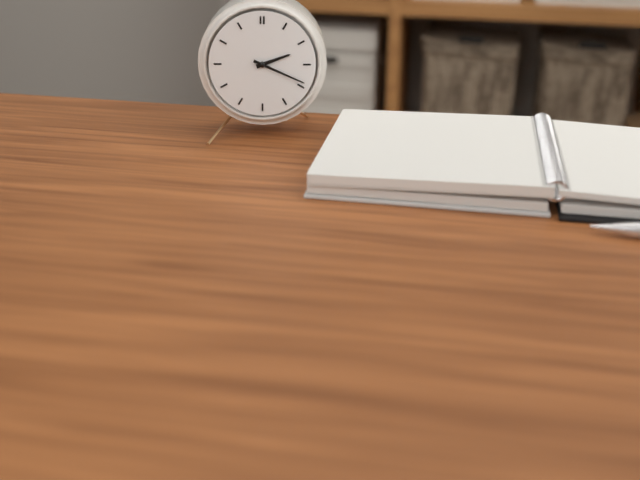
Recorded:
{"hour": 2, "minute": 19}
